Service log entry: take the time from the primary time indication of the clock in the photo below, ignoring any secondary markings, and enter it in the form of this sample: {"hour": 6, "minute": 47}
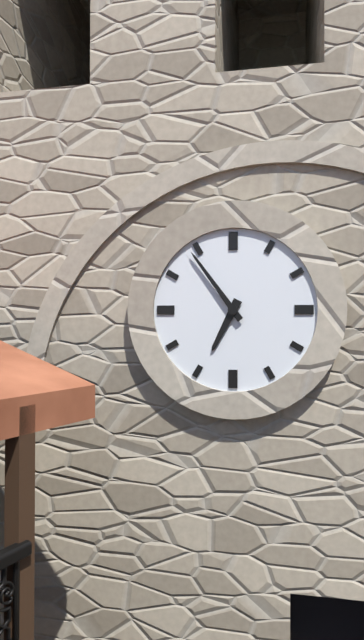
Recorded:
{"hour": 6, "minute": 54}
